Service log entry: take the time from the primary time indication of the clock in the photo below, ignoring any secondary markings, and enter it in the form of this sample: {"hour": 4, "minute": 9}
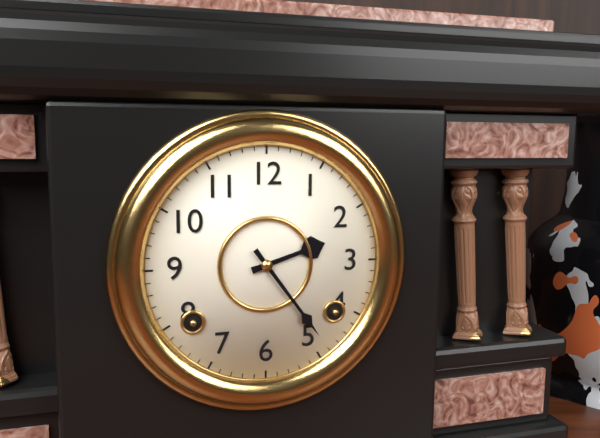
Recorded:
{"hour": 2, "minute": 24}
